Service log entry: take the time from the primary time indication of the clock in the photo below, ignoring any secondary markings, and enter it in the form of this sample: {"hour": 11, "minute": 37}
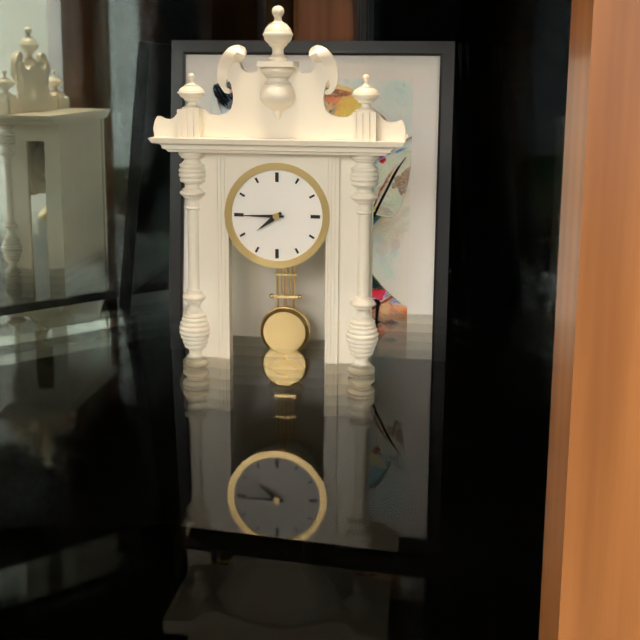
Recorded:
{"hour": 7, "minute": 45}
